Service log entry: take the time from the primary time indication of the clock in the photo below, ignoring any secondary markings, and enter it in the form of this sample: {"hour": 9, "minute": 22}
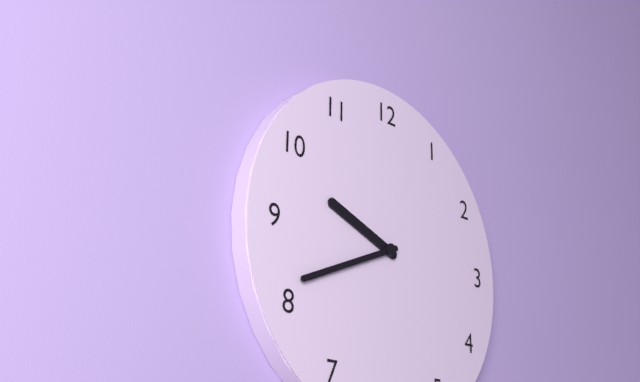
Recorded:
{"hour": 9, "minute": 41}
